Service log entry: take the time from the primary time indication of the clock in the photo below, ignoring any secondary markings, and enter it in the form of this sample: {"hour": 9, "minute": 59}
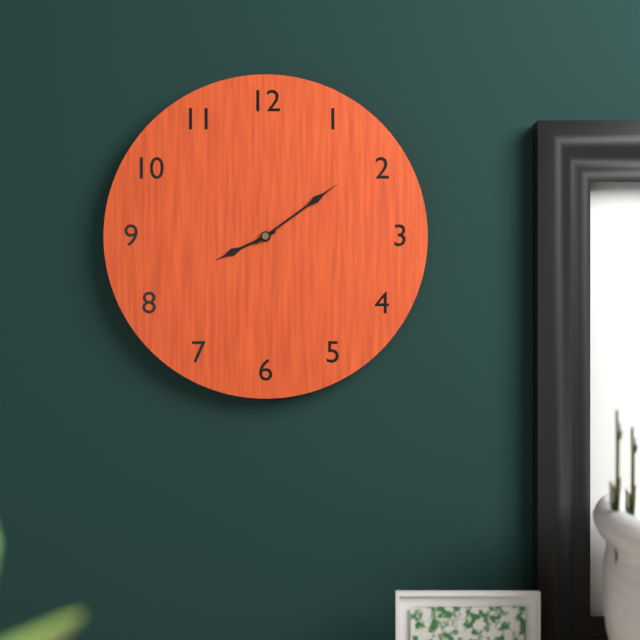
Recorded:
{"hour": 8, "minute": 9}
